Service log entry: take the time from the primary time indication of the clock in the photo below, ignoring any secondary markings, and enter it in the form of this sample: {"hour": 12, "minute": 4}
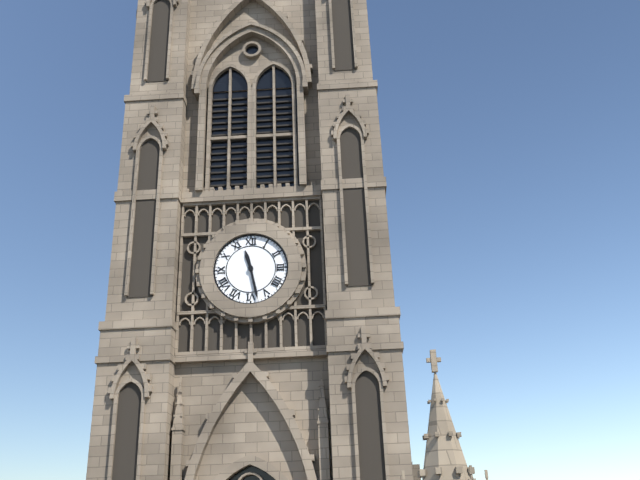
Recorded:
{"hour": 11, "minute": 28}
